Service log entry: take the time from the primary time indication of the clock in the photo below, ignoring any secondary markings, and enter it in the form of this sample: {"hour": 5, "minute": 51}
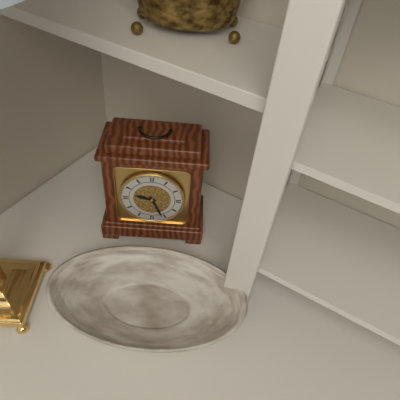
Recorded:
{"hour": 9, "minute": 26}
